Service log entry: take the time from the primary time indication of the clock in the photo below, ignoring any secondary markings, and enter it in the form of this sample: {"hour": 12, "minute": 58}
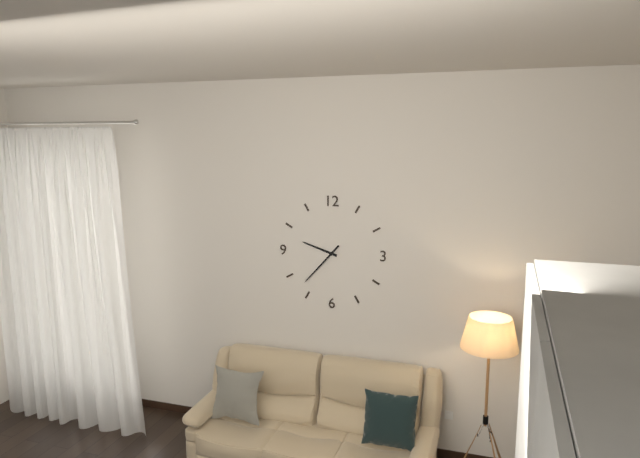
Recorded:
{"hour": 9, "minute": 37}
